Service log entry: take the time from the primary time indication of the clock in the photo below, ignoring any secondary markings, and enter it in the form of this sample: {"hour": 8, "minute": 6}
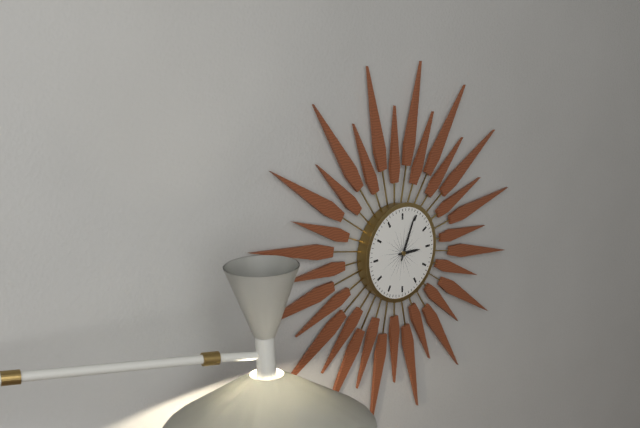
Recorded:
{"hour": 3, "minute": 4}
